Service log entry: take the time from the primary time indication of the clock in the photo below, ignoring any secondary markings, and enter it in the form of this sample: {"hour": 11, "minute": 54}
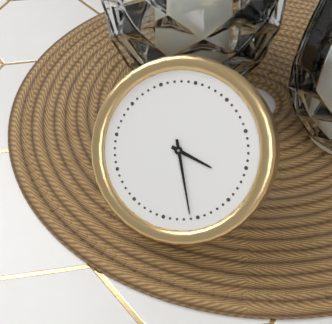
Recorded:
{"hour": 3, "minute": 26}
